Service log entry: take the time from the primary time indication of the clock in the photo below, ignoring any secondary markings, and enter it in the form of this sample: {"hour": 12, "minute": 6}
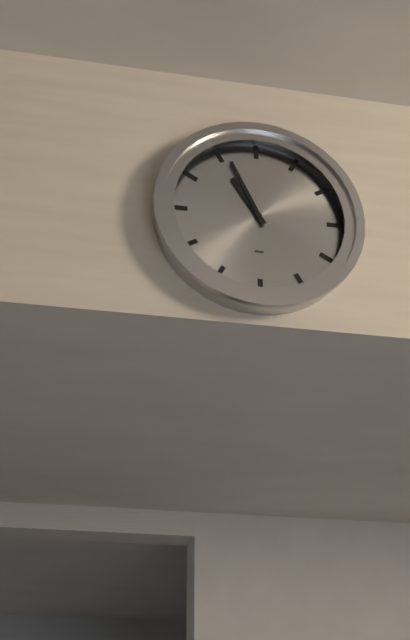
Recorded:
{"hour": 10, "minute": 56}
